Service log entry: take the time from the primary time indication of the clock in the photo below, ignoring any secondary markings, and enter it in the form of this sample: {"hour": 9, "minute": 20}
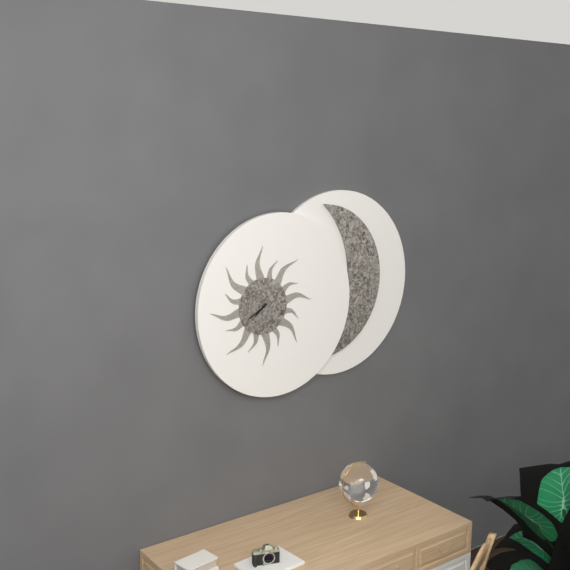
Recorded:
{"hour": 7, "minute": 40}
